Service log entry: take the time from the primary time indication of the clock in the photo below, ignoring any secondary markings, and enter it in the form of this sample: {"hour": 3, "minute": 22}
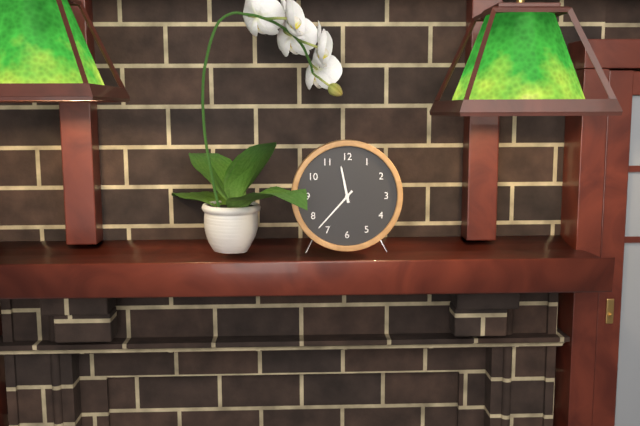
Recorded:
{"hour": 11, "minute": 37}
